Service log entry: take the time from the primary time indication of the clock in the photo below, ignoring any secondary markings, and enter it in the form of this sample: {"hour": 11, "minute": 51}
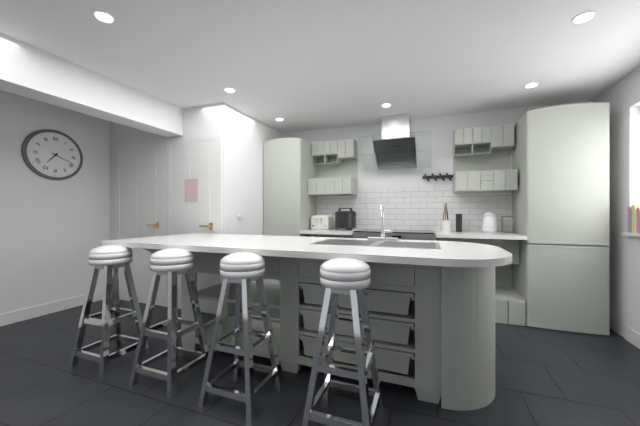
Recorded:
{"hour": 7, "minute": 19}
